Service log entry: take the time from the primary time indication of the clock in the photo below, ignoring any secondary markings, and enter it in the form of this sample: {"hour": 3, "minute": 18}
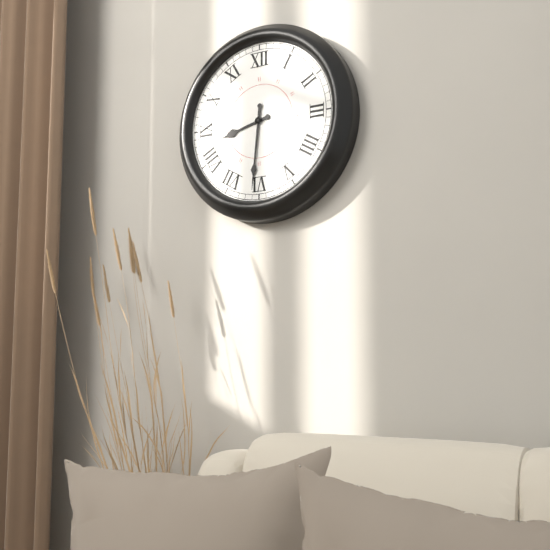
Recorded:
{"hour": 8, "minute": 31}
